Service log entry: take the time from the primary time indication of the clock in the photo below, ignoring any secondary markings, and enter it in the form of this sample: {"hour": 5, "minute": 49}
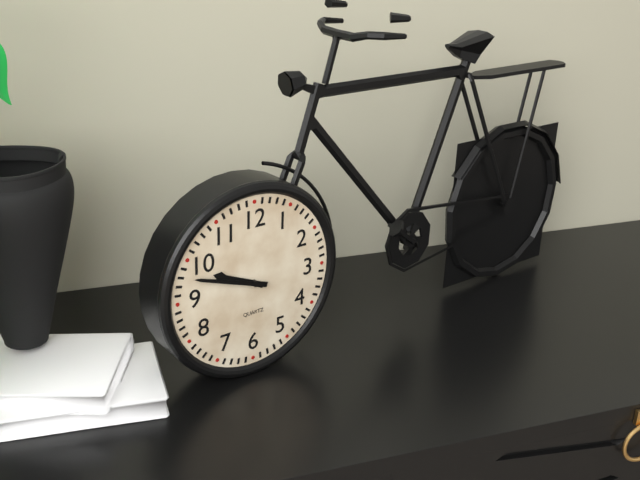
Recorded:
{"hour": 9, "minute": 48}
